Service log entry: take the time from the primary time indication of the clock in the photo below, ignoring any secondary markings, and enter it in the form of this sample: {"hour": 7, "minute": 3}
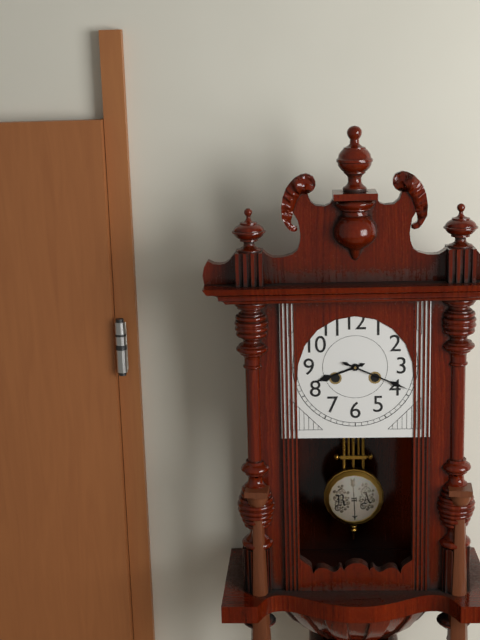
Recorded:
{"hour": 8, "minute": 19}
